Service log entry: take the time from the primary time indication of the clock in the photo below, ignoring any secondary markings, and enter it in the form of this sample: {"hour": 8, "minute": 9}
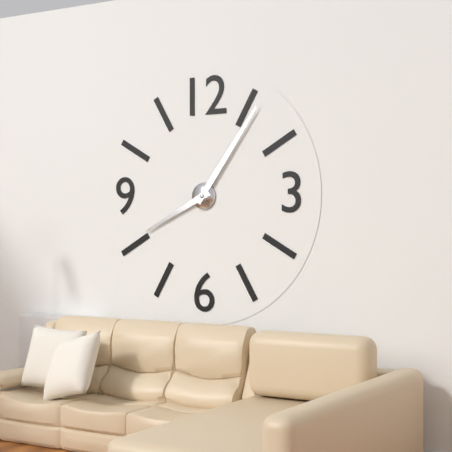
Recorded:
{"hour": 8, "minute": 6}
